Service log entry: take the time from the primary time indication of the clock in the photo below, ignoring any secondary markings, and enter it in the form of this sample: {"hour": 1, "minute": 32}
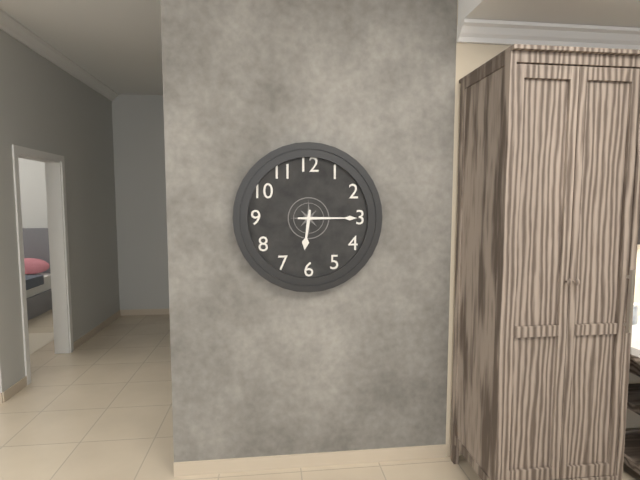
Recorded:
{"hour": 6, "minute": 15}
